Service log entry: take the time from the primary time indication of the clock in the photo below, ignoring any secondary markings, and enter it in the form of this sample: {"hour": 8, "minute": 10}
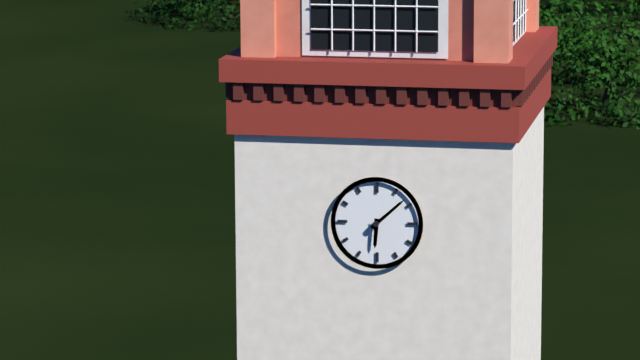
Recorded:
{"hour": 6, "minute": 8}
